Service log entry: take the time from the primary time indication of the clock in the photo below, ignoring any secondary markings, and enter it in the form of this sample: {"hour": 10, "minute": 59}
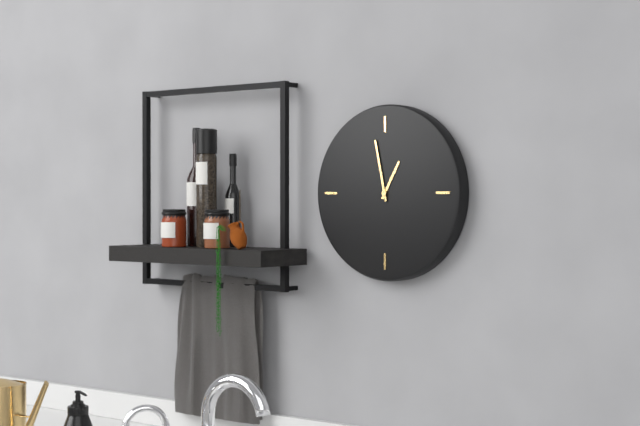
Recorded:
{"hour": 12, "minute": 58}
